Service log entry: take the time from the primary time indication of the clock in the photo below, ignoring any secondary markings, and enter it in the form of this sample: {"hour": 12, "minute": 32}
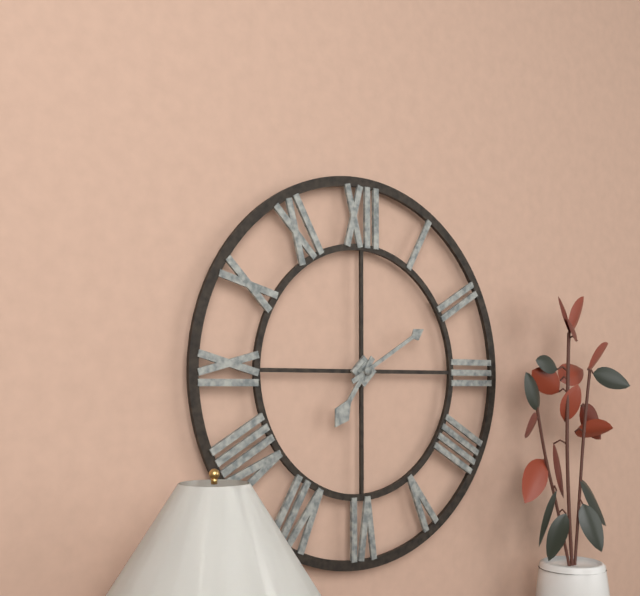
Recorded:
{"hour": 7, "minute": 10}
